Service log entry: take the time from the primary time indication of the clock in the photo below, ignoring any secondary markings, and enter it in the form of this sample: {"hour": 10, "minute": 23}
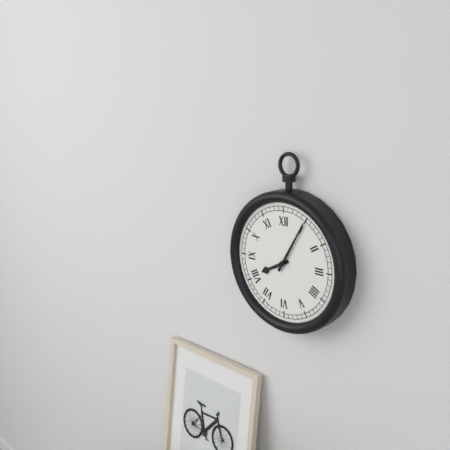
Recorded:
{"hour": 8, "minute": 5}
